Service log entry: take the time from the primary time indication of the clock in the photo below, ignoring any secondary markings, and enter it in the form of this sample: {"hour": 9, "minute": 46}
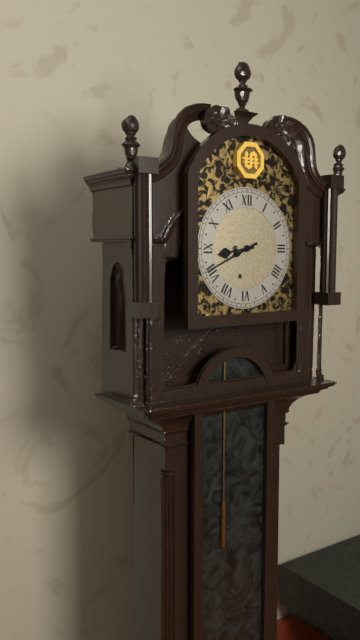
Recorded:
{"hour": 8, "minute": 41}
